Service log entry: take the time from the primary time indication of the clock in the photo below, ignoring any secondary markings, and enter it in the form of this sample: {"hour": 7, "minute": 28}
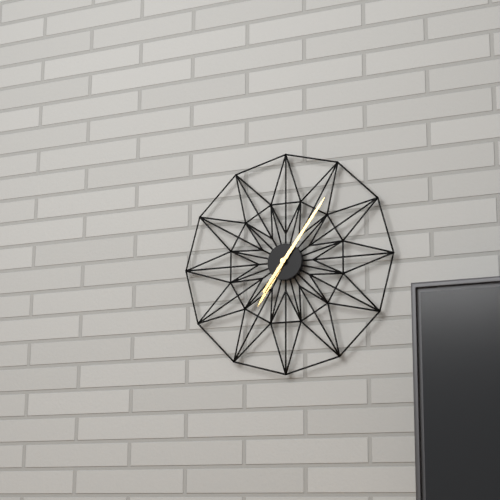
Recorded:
{"hour": 7, "minute": 6}
